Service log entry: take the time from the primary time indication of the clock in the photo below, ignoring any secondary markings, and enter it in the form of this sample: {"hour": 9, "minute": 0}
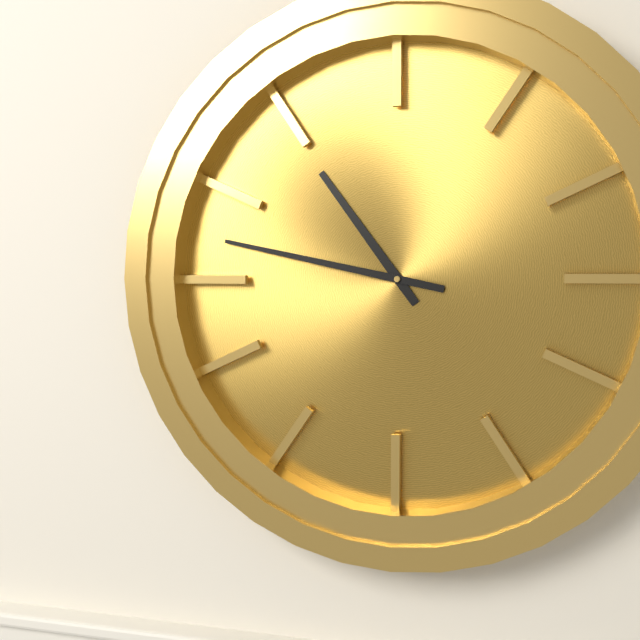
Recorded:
{"hour": 10, "minute": 47}
